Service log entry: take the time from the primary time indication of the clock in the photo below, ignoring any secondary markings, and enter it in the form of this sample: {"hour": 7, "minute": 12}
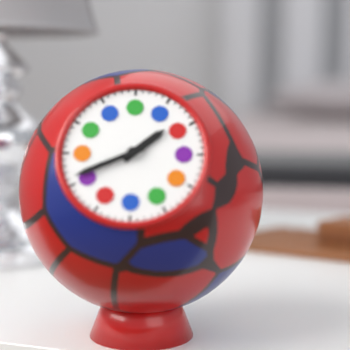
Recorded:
{"hour": 1, "minute": 41}
